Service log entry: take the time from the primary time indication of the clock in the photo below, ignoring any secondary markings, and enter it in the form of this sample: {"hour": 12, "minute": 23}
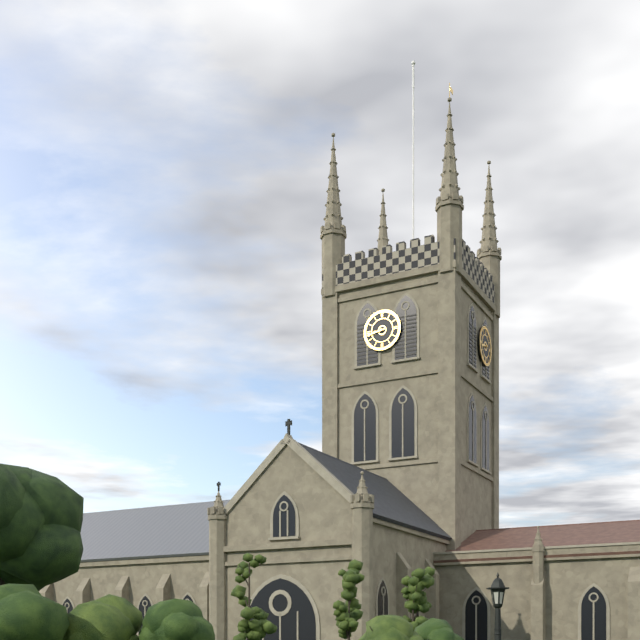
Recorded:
{"hour": 8, "minute": 43}
